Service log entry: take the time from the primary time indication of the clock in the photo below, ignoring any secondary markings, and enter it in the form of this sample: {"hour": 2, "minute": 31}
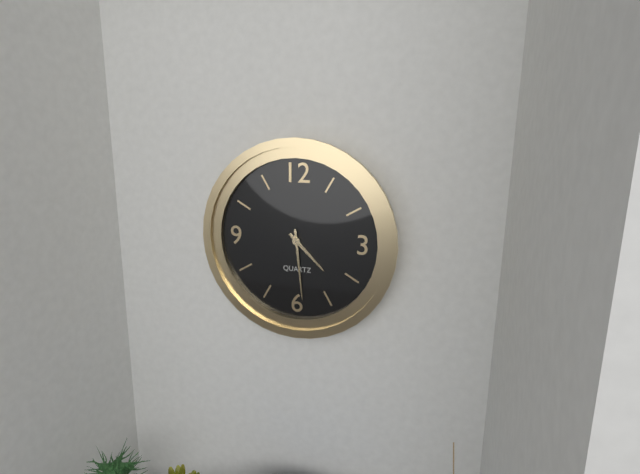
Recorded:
{"hour": 4, "minute": 29}
